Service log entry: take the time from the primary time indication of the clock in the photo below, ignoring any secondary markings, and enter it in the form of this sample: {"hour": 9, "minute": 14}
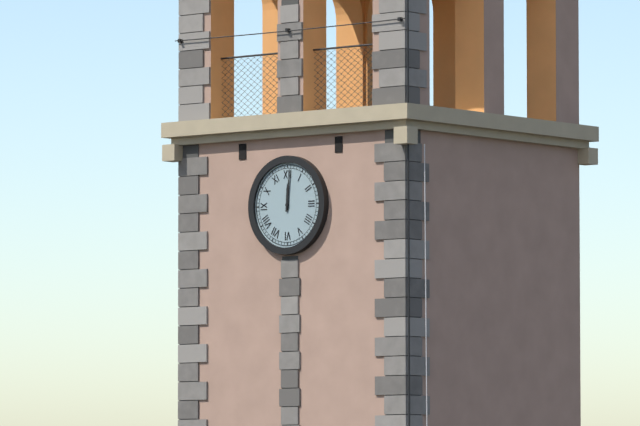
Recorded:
{"hour": 12, "minute": 1}
